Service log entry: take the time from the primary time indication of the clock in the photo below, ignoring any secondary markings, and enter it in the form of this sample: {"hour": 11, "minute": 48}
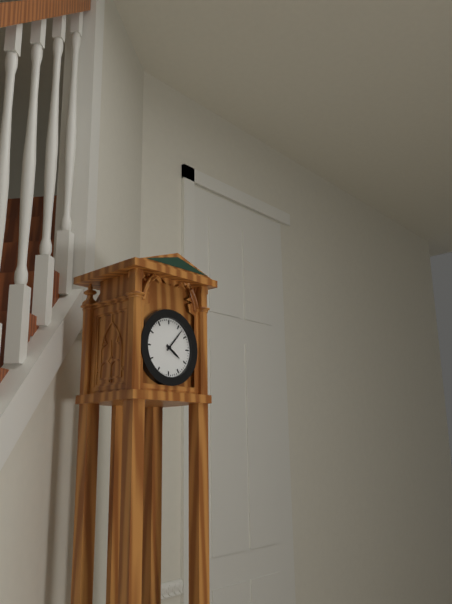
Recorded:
{"hour": 4, "minute": 7}
